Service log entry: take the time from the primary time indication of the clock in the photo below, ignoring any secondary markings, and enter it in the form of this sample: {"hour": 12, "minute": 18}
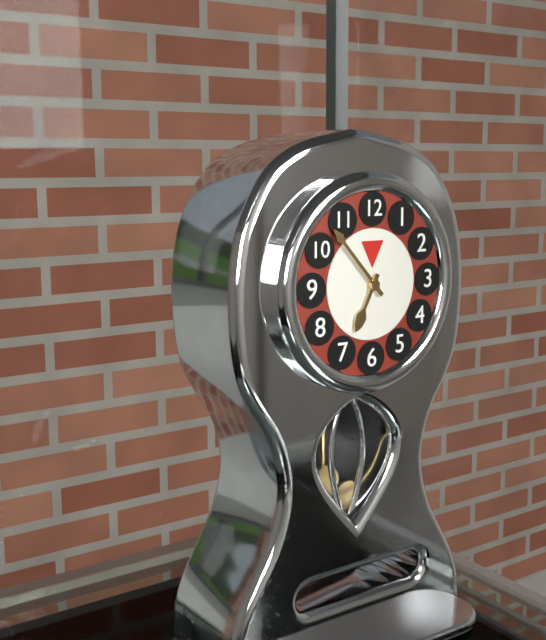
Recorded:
{"hour": 6, "minute": 53}
